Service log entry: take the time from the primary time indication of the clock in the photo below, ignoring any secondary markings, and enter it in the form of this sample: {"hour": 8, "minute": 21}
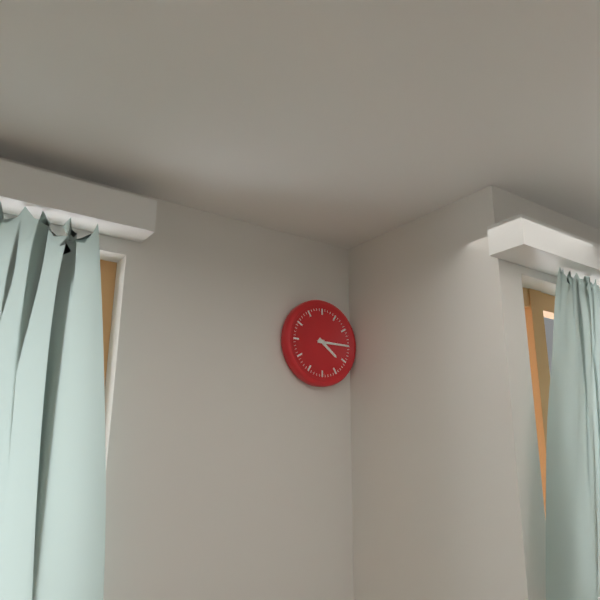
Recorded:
{"hour": 4, "minute": 15}
